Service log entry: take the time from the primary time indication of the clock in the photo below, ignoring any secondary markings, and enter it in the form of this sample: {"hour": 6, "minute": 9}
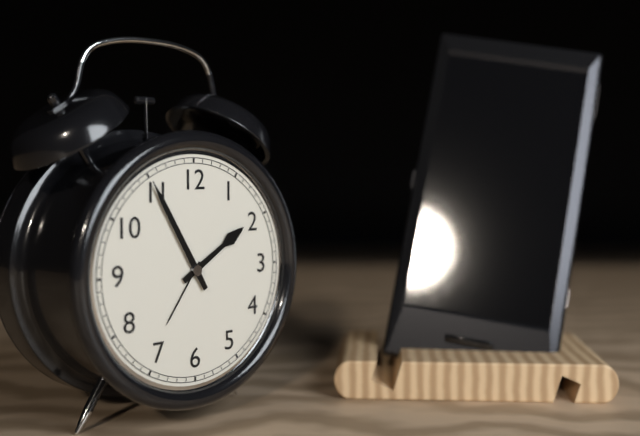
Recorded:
{"hour": 1, "minute": 55}
